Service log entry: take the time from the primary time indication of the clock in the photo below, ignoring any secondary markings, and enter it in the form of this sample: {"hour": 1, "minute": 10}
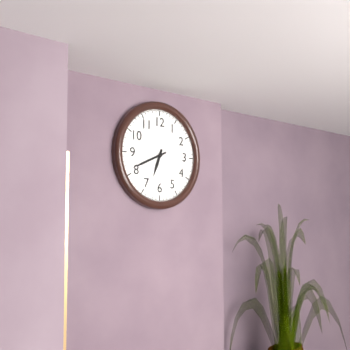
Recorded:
{"hour": 6, "minute": 41}
